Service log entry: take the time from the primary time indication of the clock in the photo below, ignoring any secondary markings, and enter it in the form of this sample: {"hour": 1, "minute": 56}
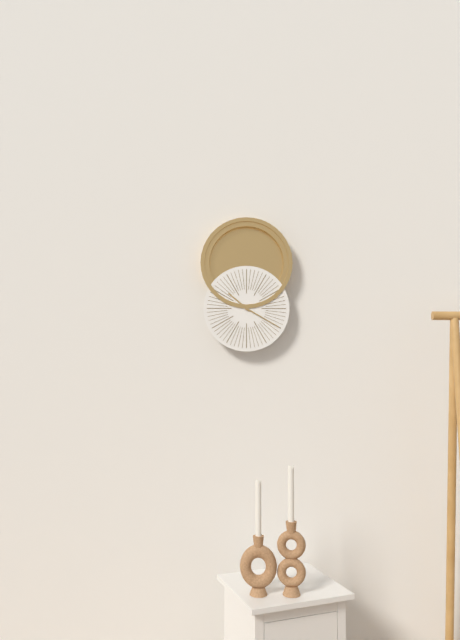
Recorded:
{"hour": 10, "minute": 20}
